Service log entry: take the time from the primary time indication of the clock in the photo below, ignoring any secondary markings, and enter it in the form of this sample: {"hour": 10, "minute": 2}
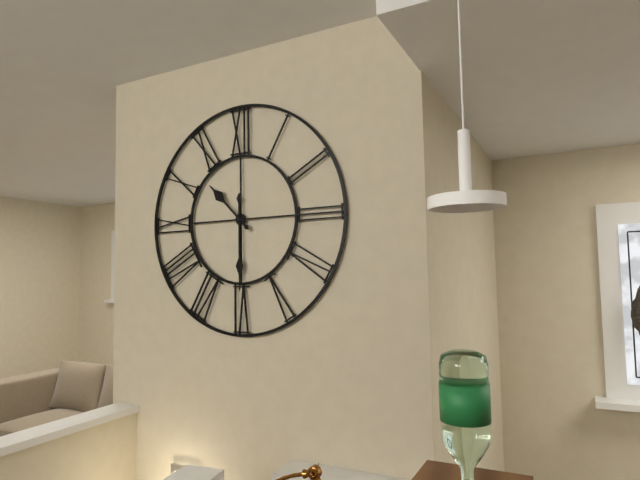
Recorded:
{"hour": 10, "minute": 30}
